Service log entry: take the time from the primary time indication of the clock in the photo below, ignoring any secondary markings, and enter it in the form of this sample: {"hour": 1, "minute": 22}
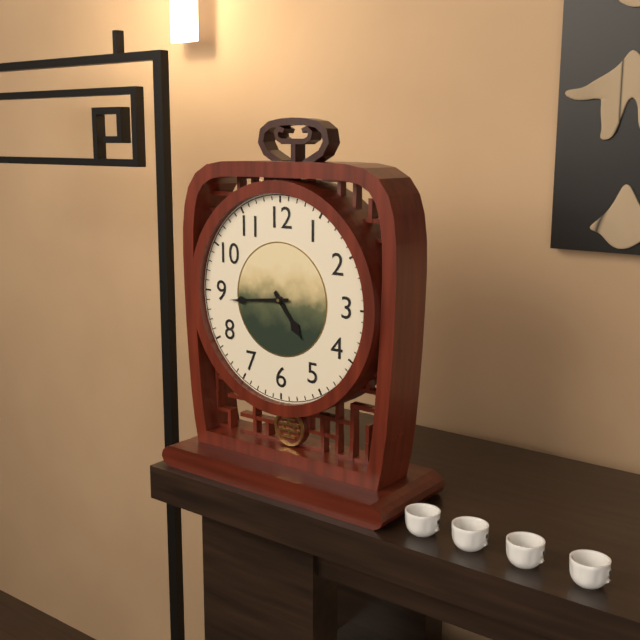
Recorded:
{"hour": 4, "minute": 44}
